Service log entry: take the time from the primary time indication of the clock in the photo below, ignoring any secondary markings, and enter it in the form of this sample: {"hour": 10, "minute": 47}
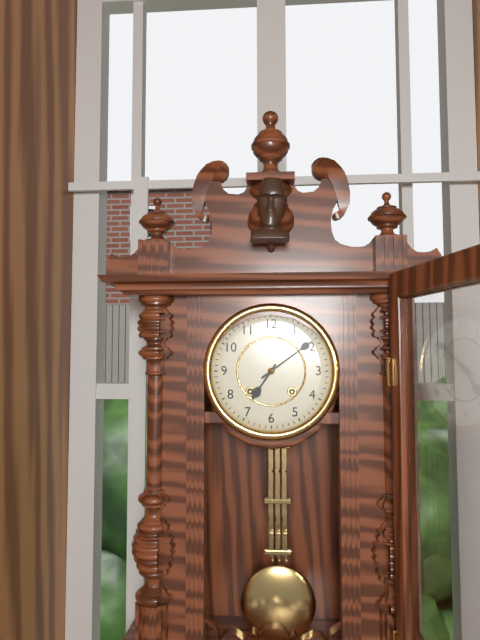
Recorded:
{"hour": 7, "minute": 9}
